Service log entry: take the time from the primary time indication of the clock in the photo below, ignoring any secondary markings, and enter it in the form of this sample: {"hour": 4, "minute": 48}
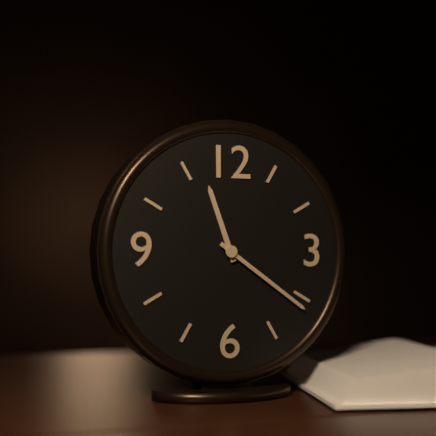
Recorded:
{"hour": 11, "minute": 21}
